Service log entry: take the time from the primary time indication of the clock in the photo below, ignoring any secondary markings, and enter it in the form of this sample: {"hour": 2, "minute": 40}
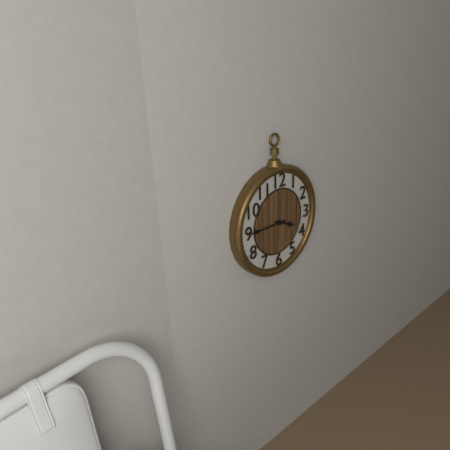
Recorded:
{"hour": 3, "minute": 45}
